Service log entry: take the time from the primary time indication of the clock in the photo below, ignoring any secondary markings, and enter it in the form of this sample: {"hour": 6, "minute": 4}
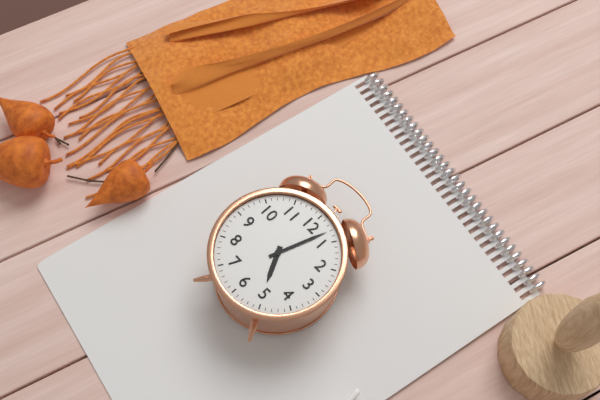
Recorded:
{"hour": 5, "minute": 3}
